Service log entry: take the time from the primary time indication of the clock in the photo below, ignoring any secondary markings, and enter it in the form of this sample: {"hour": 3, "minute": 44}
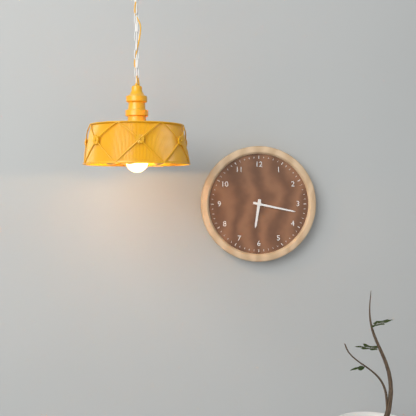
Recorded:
{"hour": 6, "minute": 17}
